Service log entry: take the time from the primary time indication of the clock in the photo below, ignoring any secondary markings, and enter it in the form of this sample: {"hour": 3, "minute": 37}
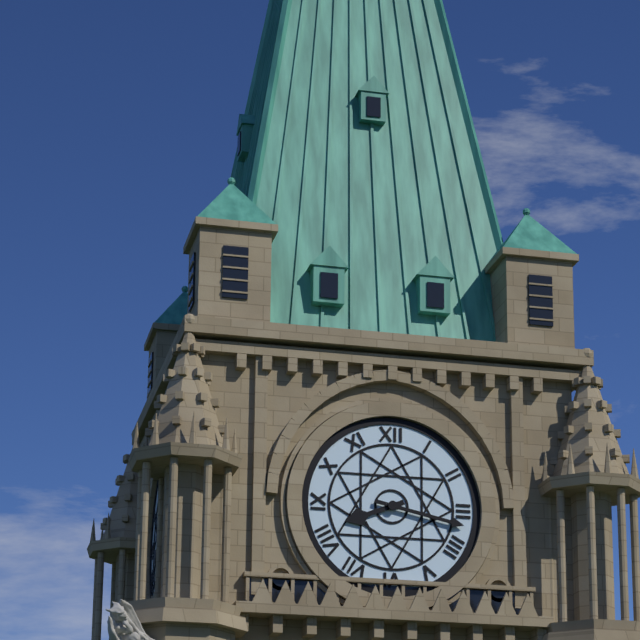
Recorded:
{"hour": 8, "minute": 17}
